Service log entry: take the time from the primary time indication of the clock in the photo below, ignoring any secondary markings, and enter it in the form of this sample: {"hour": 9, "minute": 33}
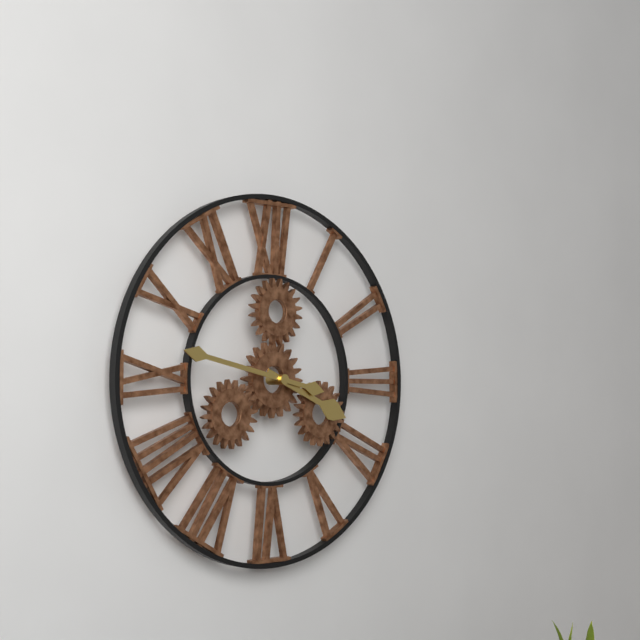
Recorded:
{"hour": 3, "minute": 47}
